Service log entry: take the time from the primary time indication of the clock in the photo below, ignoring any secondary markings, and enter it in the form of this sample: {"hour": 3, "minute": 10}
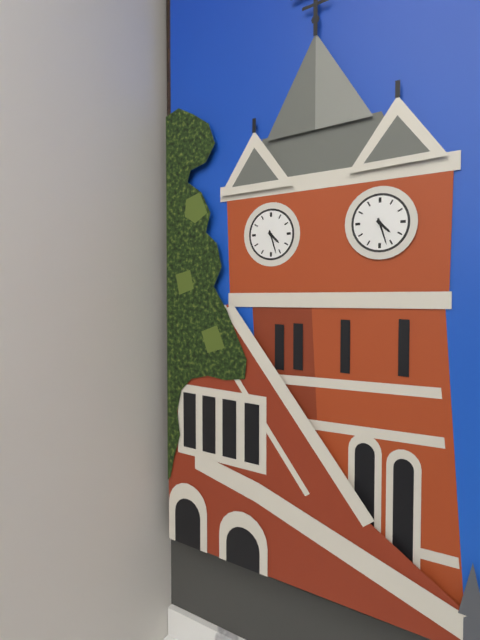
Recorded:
{"hour": 4, "minute": 27}
